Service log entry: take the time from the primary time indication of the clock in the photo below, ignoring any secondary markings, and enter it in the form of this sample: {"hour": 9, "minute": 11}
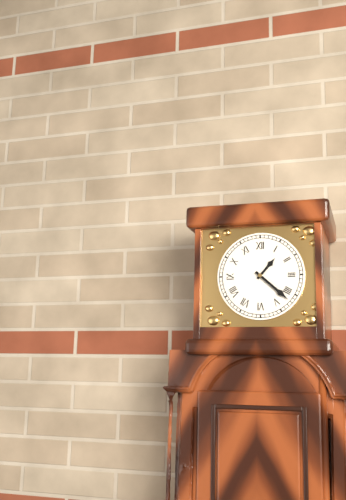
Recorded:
{"hour": 1, "minute": 22}
